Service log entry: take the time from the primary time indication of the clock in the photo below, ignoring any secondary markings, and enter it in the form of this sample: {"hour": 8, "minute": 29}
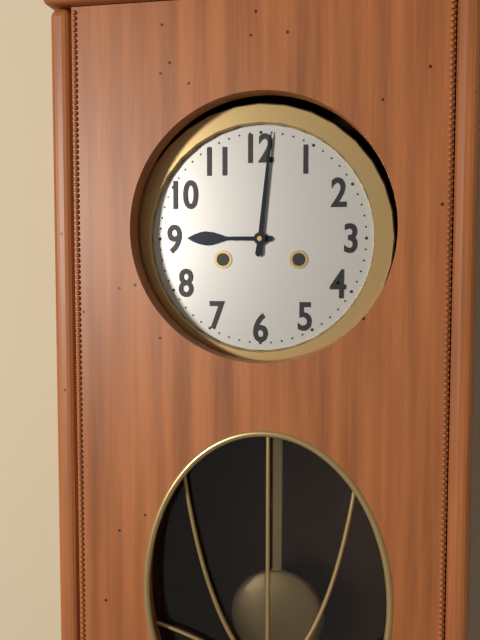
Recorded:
{"hour": 9, "minute": 1}
